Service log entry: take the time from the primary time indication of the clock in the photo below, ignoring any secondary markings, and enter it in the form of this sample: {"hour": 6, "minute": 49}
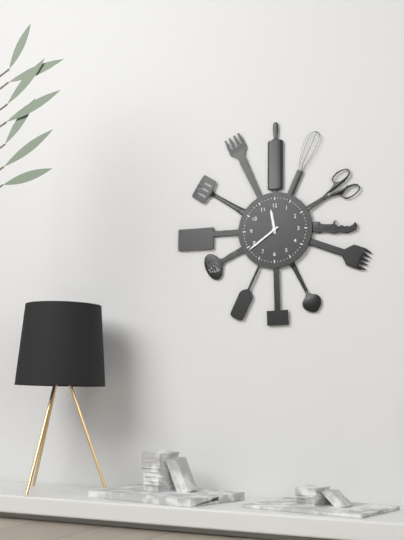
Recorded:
{"hour": 11, "minute": 39}
